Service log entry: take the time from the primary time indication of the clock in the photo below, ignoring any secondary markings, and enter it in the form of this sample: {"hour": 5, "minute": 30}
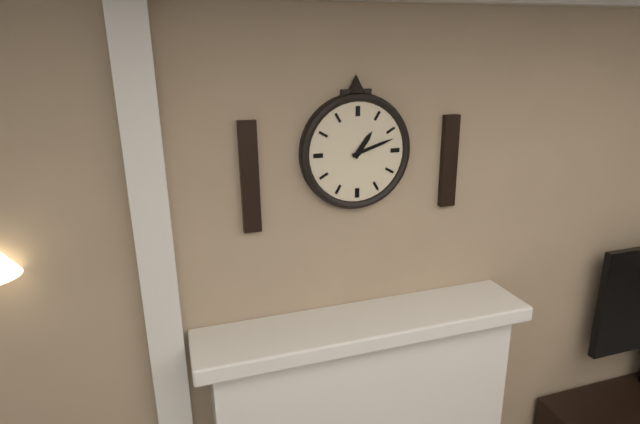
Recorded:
{"hour": 1, "minute": 12}
